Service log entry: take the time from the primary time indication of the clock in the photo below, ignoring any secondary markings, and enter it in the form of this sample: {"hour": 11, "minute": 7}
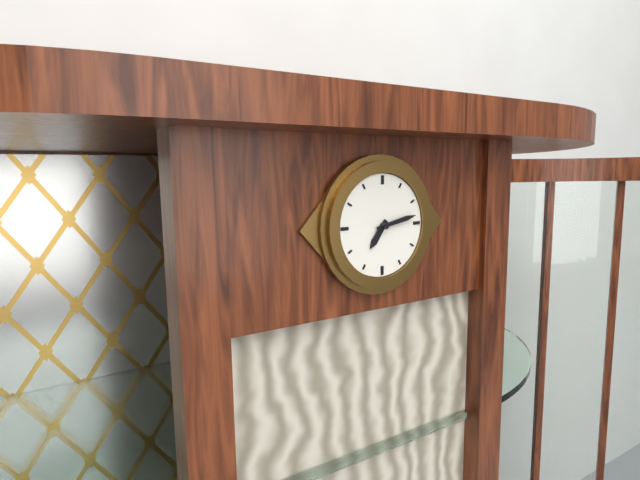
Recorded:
{"hour": 7, "minute": 13}
